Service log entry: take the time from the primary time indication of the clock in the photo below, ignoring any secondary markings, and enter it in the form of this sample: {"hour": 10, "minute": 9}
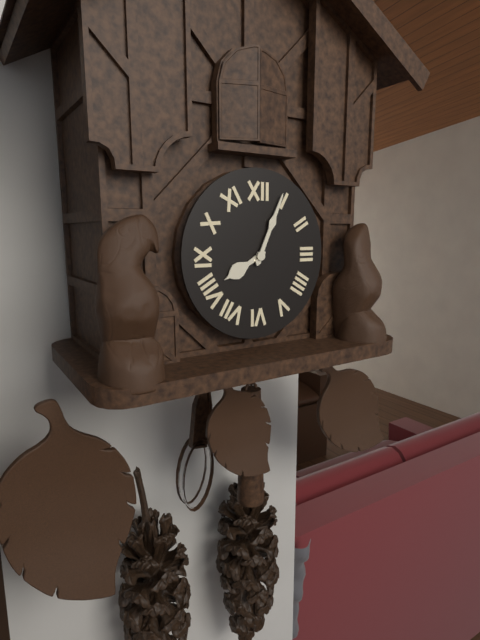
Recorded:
{"hour": 8, "minute": 4}
